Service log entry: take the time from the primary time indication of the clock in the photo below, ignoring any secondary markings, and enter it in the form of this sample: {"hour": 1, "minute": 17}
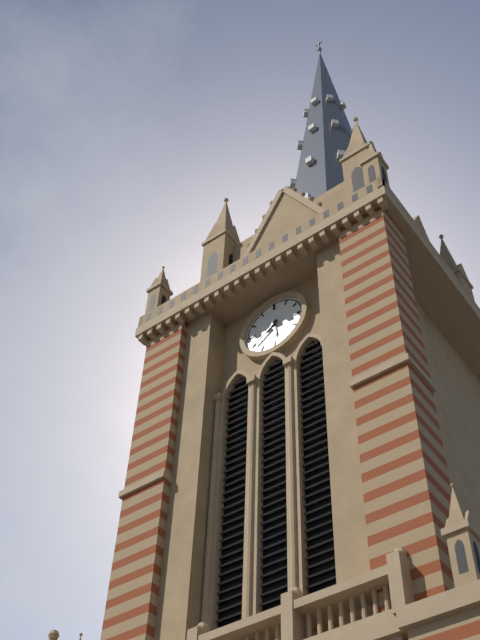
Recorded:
{"hour": 5, "minute": 39}
